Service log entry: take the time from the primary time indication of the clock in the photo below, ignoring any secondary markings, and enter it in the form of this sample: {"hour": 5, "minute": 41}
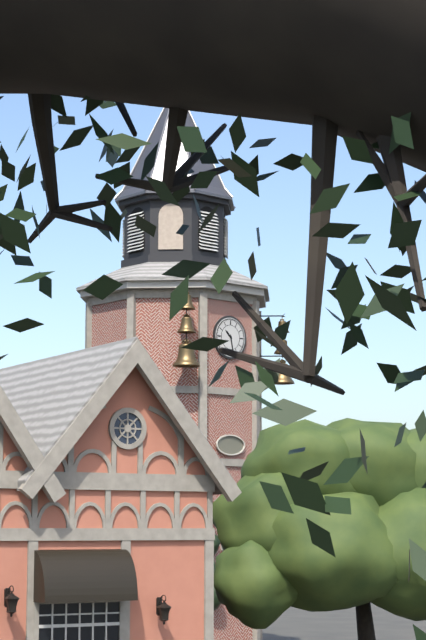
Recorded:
{"hour": 10, "minute": 28}
